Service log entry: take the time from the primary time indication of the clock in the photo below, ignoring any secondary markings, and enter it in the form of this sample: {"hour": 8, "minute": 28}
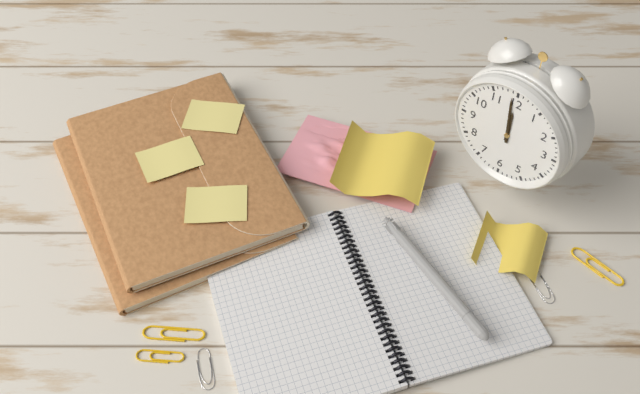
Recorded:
{"hour": 11, "minute": 59}
